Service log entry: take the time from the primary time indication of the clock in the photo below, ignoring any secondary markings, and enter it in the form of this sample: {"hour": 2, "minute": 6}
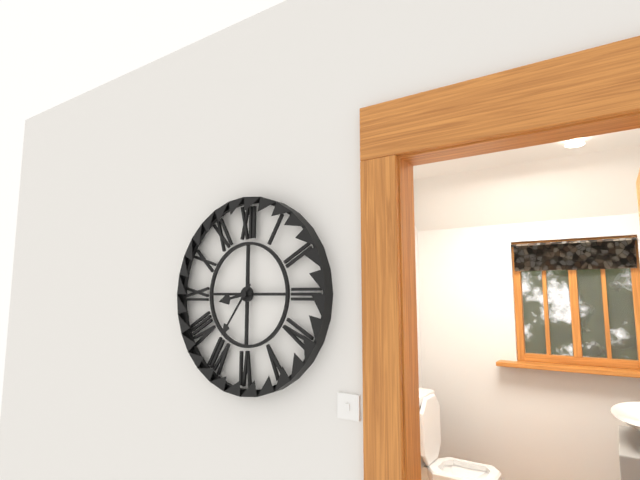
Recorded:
{"hour": 8, "minute": 36}
